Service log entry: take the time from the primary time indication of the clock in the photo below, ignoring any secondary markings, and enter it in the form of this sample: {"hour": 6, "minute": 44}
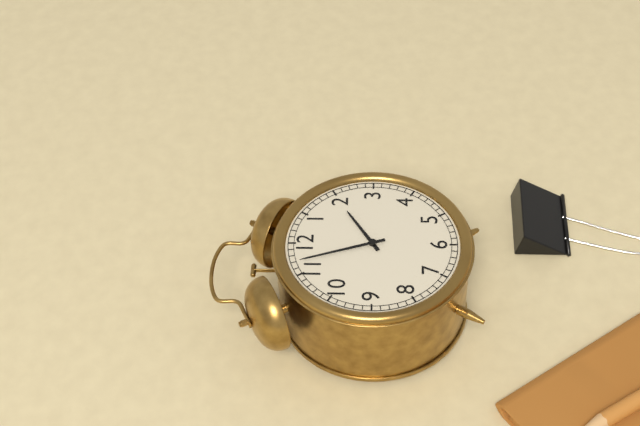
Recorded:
{"hour": 1, "minute": 57}
